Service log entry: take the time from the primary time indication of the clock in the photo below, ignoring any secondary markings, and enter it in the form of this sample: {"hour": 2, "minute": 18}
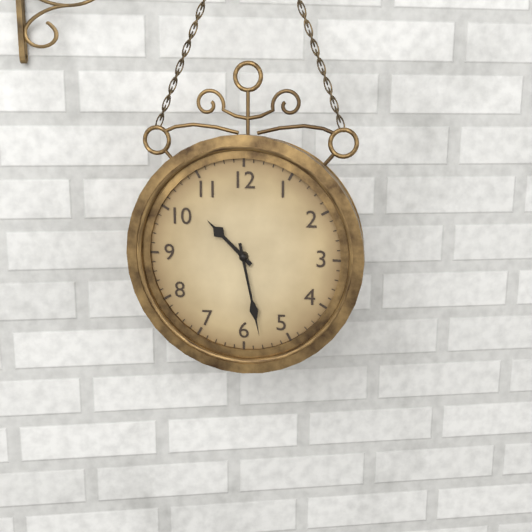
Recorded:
{"hour": 10, "minute": 28}
